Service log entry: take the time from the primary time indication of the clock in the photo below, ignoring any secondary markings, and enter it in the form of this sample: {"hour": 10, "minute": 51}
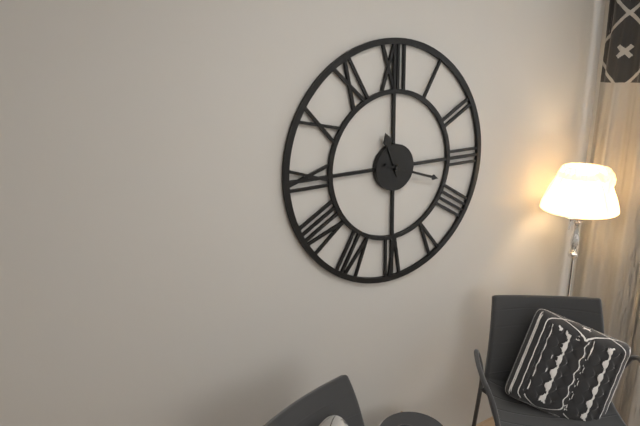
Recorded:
{"hour": 11, "minute": 18}
